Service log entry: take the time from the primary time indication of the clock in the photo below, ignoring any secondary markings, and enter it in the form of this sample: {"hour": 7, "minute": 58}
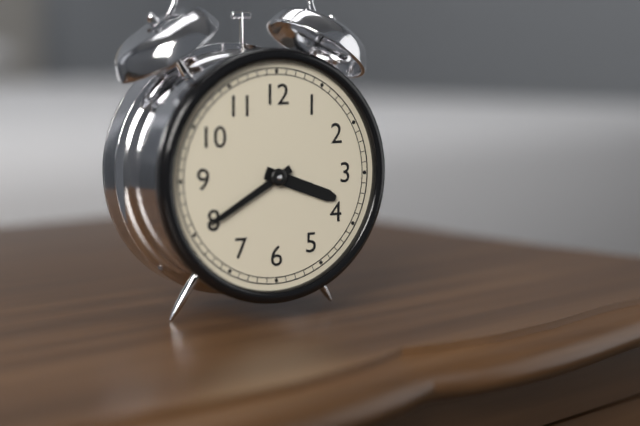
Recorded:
{"hour": 3, "minute": 40}
